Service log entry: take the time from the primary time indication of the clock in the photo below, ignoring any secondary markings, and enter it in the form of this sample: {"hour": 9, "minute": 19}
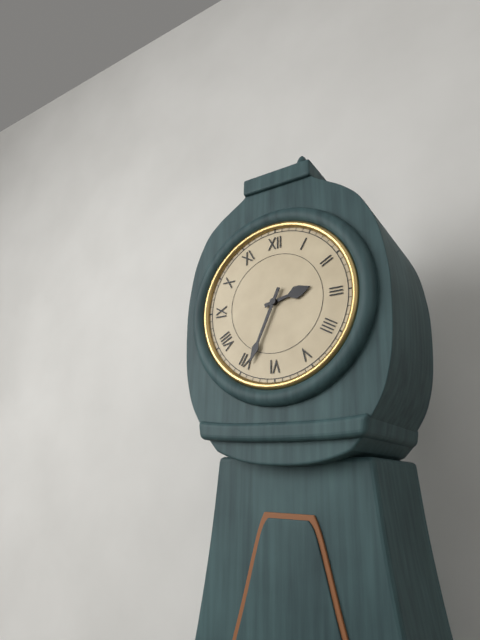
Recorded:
{"hour": 2, "minute": 34}
